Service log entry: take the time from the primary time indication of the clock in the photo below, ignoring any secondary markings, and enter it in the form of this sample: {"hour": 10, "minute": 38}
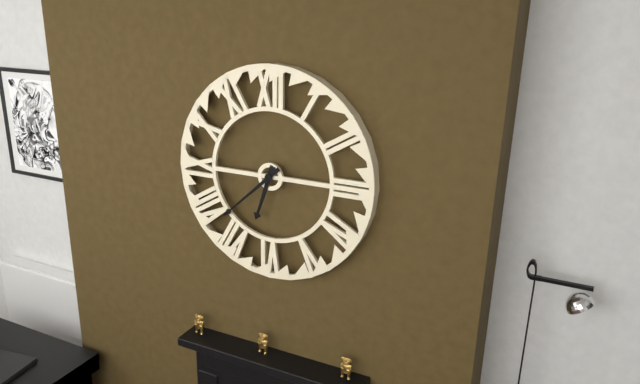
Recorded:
{"hour": 6, "minute": 38}
